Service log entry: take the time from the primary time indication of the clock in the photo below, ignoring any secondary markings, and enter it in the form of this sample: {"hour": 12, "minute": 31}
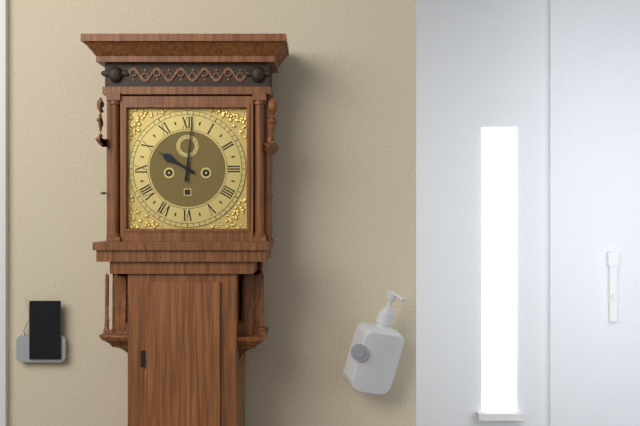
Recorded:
{"hour": 10, "minute": 1}
